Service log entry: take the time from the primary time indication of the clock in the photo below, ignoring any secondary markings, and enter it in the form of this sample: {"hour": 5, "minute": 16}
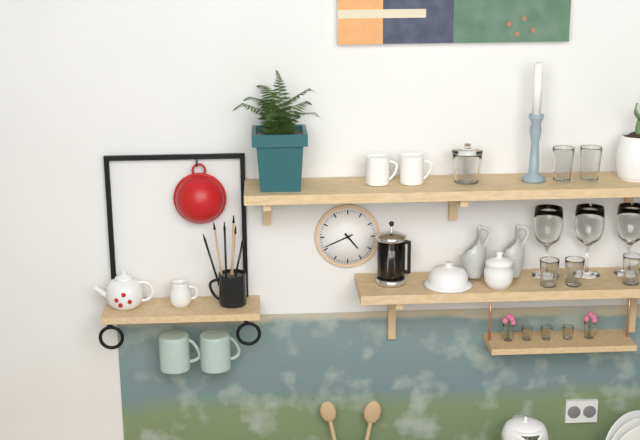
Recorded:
{"hour": 4, "minute": 41}
